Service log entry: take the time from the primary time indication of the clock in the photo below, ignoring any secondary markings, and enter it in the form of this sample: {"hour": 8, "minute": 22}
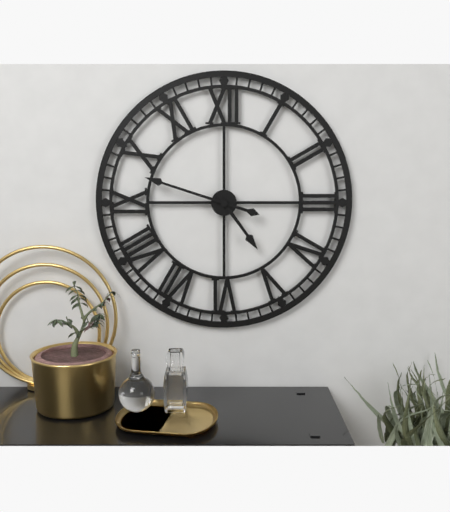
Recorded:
{"hour": 4, "minute": 48}
